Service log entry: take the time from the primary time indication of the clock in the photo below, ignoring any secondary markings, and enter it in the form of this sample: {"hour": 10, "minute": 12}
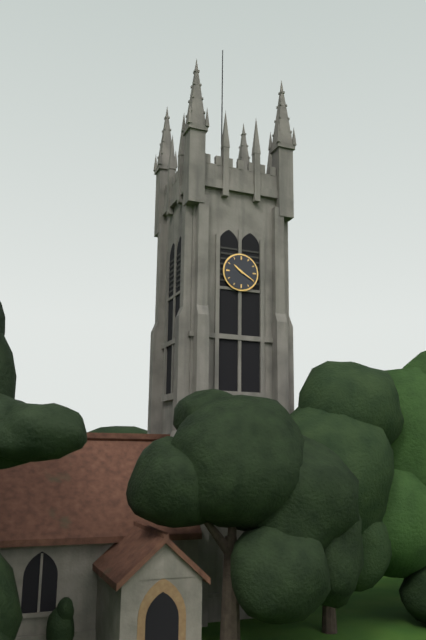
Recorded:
{"hour": 10, "minute": 20}
